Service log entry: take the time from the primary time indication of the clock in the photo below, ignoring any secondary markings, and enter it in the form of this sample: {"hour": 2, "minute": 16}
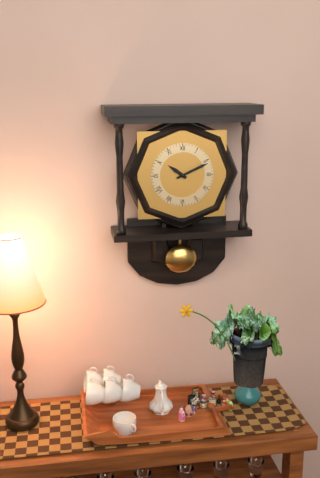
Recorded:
{"hour": 10, "minute": 11}
